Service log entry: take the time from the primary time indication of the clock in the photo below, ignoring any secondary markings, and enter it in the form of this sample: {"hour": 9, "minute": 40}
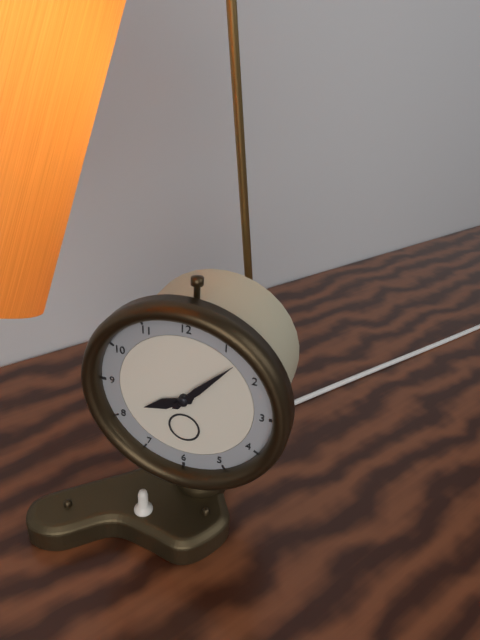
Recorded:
{"hour": 8, "minute": 7}
